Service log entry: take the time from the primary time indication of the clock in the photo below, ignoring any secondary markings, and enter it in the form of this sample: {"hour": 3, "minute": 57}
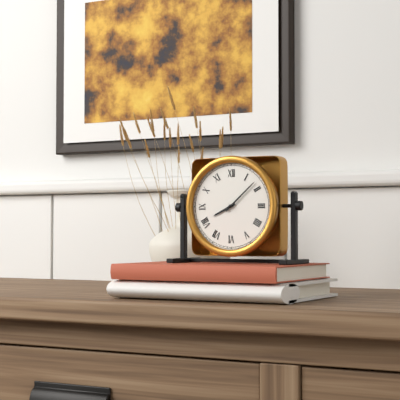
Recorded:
{"hour": 8, "minute": 8}
